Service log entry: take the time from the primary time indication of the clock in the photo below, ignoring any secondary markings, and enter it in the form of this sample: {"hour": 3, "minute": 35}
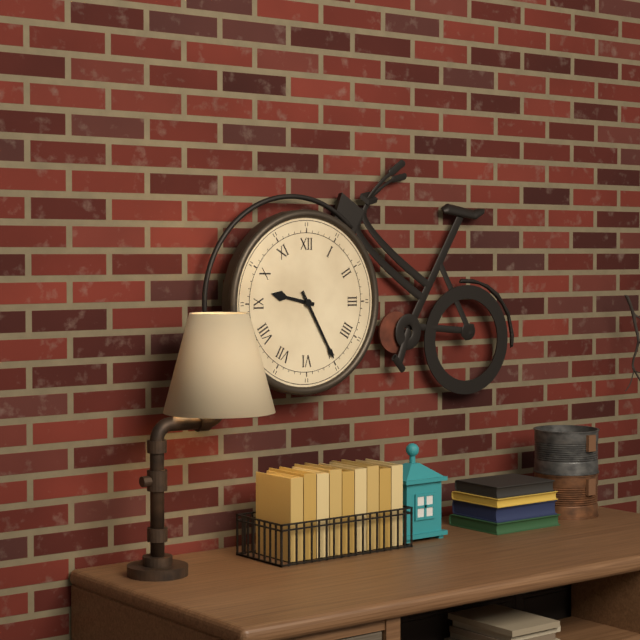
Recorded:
{"hour": 9, "minute": 25}
